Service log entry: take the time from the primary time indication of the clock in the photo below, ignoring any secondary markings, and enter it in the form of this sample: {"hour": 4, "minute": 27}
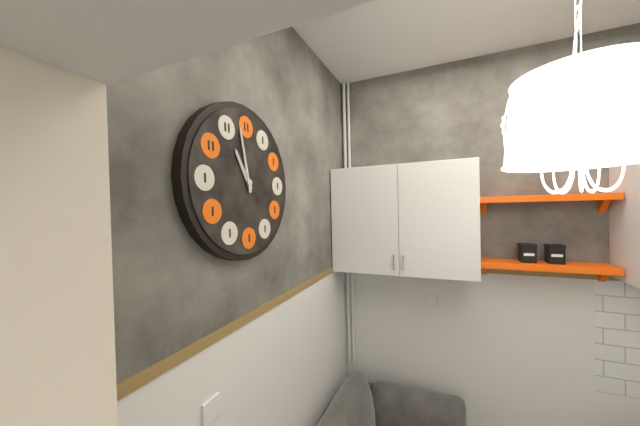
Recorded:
{"hour": 10, "minute": 58}
